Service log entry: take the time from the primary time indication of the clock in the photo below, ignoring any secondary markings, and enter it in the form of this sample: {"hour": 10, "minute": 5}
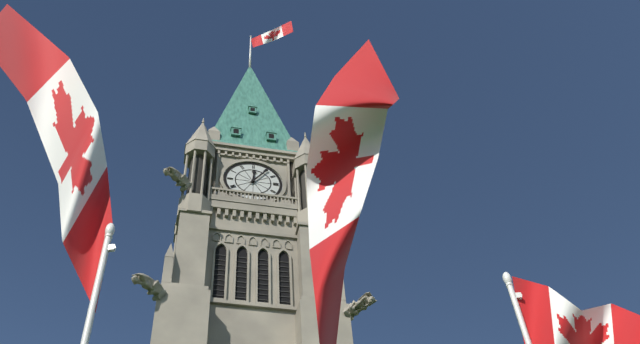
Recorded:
{"hour": 12, "minute": 6}
